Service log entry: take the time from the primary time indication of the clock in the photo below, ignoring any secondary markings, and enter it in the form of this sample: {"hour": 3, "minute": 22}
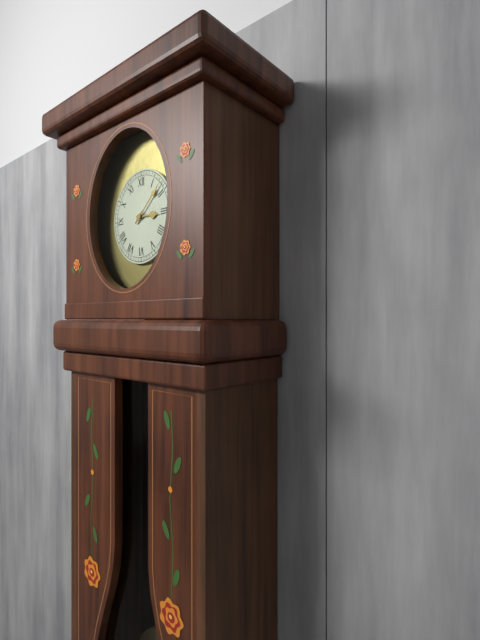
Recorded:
{"hour": 3, "minute": 8}
